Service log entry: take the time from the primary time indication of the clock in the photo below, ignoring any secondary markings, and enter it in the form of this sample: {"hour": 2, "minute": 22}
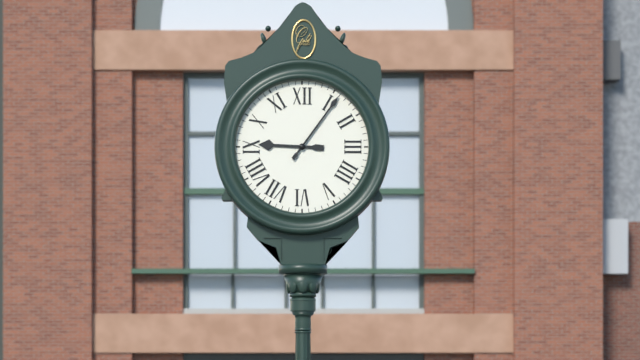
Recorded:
{"hour": 9, "minute": 6}
